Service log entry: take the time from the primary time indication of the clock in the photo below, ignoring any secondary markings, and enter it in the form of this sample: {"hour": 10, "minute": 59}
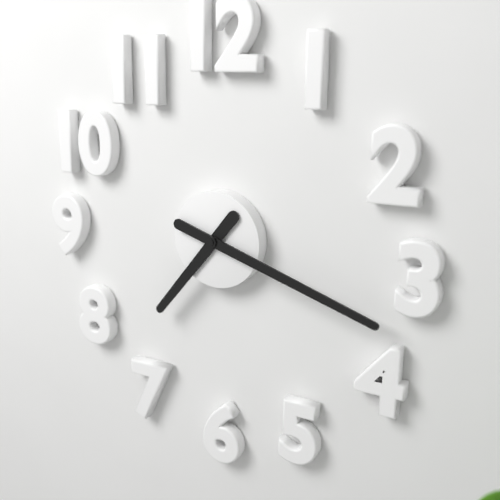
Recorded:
{"hour": 7, "minute": 18}
